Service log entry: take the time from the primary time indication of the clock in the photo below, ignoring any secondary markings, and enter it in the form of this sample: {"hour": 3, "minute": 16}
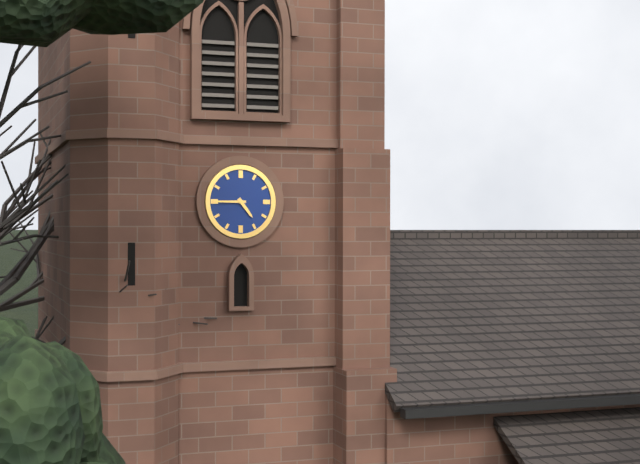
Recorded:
{"hour": 4, "minute": 45}
